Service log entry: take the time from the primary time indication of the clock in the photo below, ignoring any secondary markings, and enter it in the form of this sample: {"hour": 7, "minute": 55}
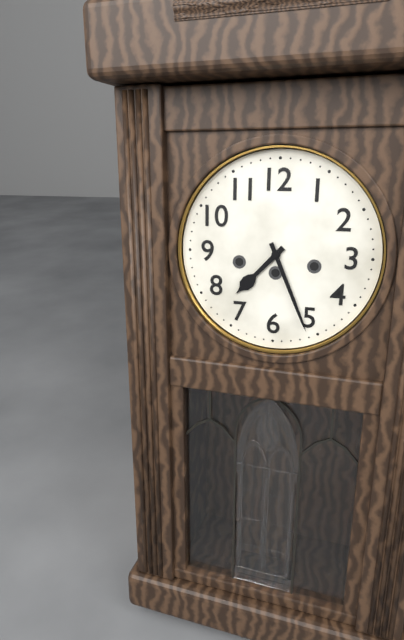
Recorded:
{"hour": 7, "minute": 26}
